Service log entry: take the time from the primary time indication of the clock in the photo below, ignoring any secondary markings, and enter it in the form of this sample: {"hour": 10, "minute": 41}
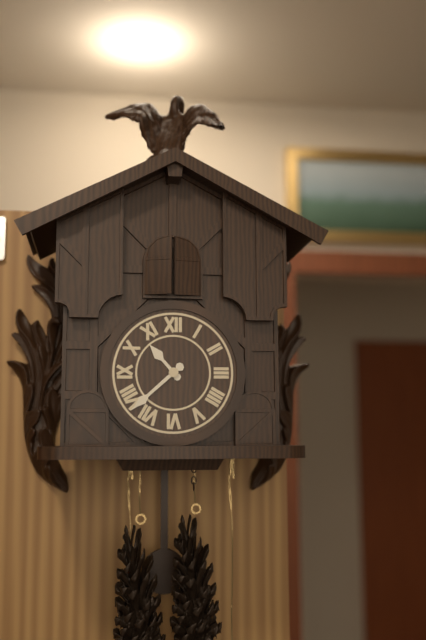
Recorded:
{"hour": 10, "minute": 38}
